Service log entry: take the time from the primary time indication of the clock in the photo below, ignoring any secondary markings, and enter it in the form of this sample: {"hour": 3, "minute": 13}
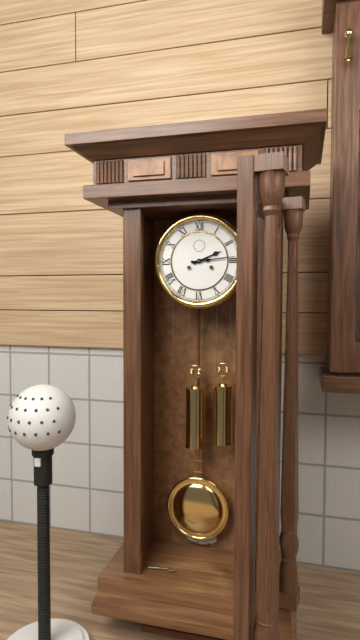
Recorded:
{"hour": 2, "minute": 14}
